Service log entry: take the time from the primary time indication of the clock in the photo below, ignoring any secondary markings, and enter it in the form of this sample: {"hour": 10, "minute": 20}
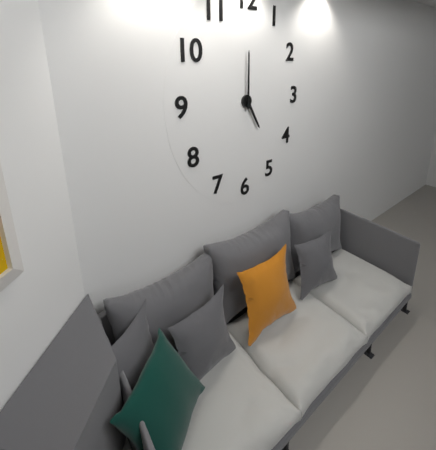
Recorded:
{"hour": 5, "minute": 0}
